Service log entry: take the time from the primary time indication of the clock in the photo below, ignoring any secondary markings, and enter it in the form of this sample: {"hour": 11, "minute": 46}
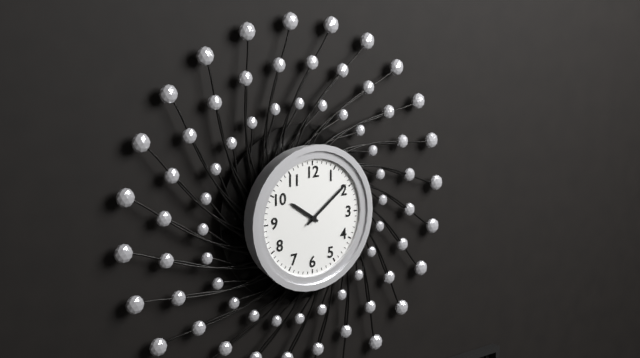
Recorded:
{"hour": 10, "minute": 9}
